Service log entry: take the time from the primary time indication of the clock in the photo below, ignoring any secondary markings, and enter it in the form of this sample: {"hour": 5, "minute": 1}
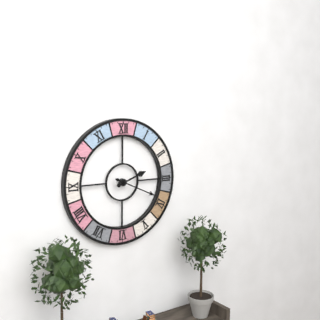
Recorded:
{"hour": 2, "minute": 19}
